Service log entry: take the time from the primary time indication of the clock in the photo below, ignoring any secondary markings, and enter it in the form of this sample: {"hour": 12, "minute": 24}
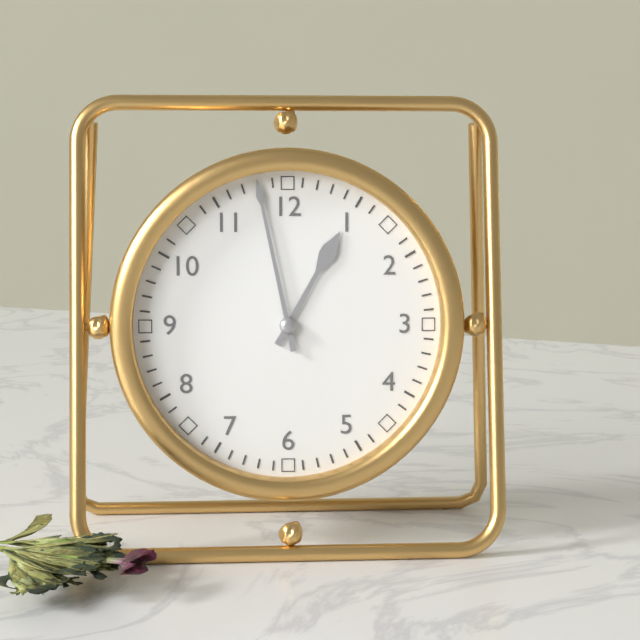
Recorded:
{"hour": 12, "minute": 58}
